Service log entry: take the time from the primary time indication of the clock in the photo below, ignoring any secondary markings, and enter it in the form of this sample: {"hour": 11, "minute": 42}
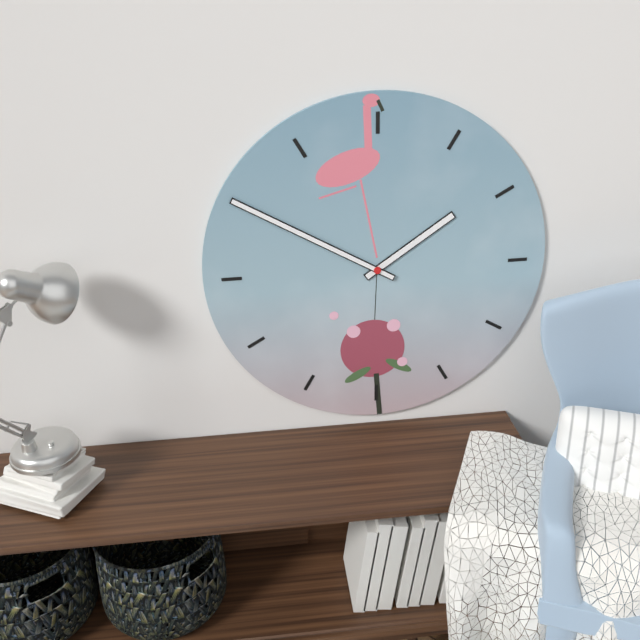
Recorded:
{"hour": 1, "minute": 50}
